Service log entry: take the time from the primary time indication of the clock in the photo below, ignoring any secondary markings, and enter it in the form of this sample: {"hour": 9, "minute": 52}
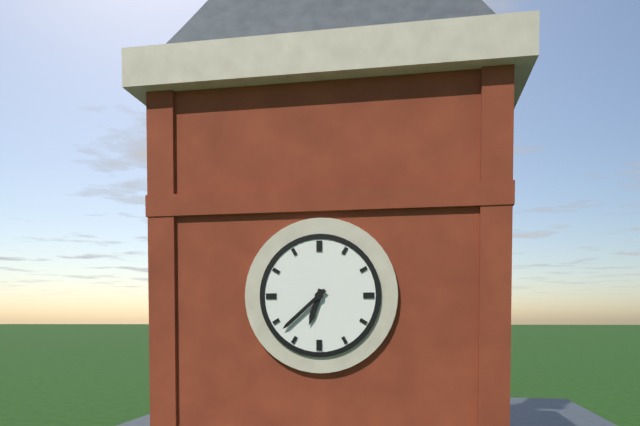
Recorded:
{"hour": 6, "minute": 38}
